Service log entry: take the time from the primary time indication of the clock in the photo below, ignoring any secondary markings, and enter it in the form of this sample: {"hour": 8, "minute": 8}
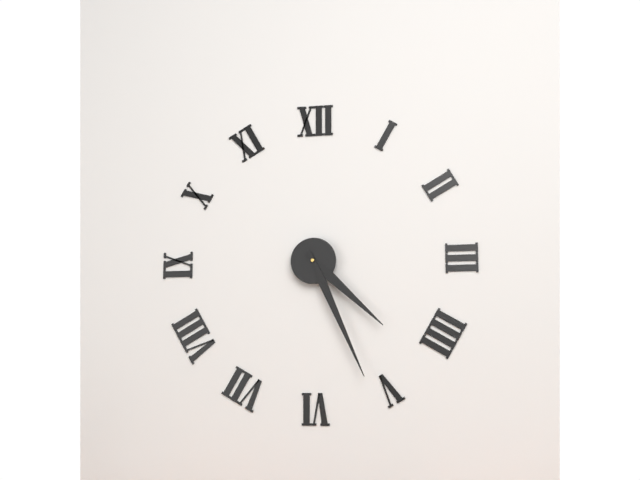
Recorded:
{"hour": 4, "minute": 26}
